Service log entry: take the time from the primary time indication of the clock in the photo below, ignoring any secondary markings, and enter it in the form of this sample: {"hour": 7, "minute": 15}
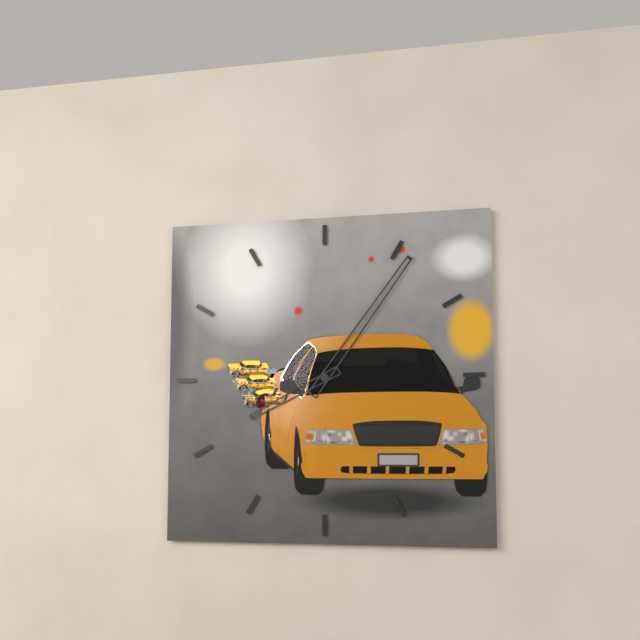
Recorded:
{"hour": 8, "minute": 6}
